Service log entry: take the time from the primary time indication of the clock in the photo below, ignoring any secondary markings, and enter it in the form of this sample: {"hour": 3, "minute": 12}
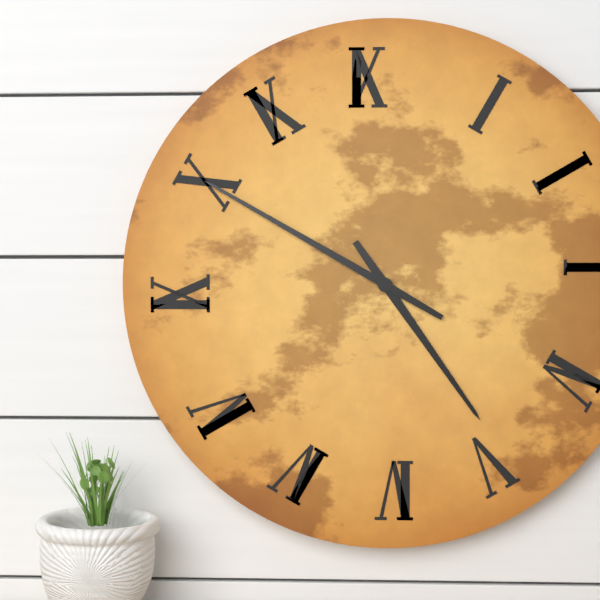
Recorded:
{"hour": 4, "minute": 50}
